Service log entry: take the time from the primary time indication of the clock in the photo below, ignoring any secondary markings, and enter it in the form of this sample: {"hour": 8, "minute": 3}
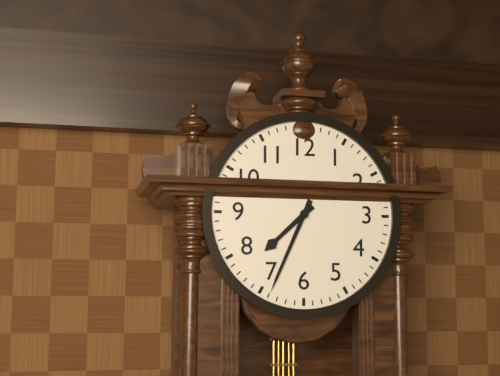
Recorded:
{"hour": 7, "minute": 34}
